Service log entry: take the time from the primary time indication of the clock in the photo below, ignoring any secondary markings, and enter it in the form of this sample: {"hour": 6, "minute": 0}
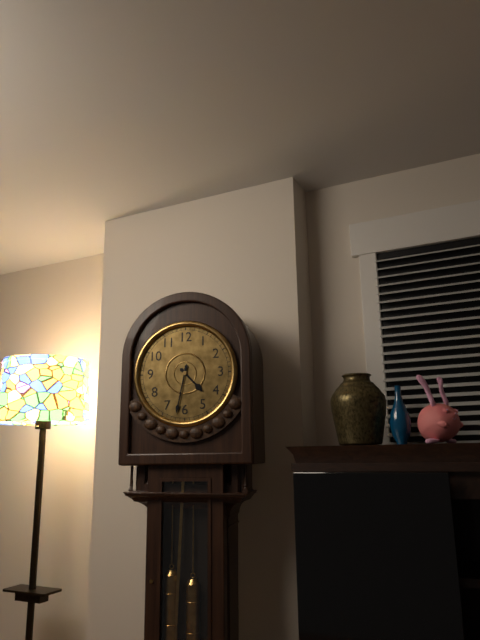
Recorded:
{"hour": 4, "minute": 32}
